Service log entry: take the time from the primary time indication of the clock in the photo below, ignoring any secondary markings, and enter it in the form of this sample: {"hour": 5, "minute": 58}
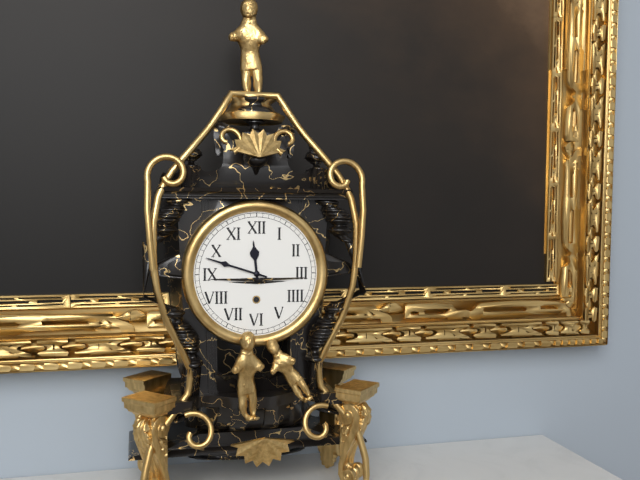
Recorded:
{"hour": 11, "minute": 48}
